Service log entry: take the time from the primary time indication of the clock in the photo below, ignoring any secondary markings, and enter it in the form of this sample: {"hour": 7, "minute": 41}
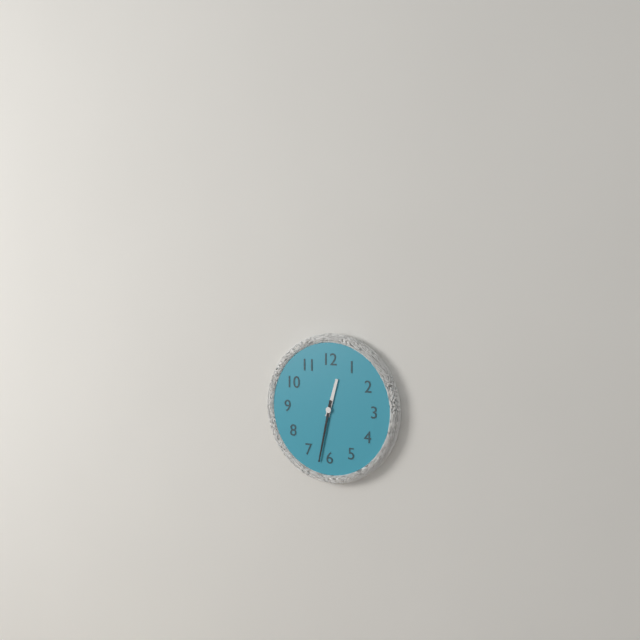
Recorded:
{"hour": 12, "minute": 32}
